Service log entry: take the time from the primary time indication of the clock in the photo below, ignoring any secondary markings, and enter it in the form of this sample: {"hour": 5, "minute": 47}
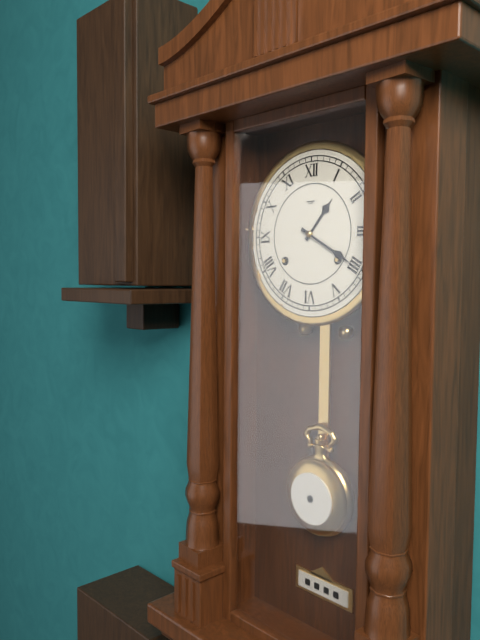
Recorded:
{"hour": 1, "minute": 20}
